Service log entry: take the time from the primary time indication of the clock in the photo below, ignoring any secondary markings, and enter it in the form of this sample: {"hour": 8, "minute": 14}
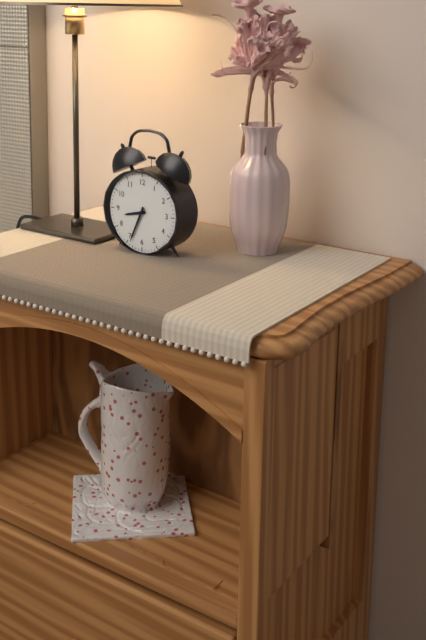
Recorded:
{"hour": 8, "minute": 34}
